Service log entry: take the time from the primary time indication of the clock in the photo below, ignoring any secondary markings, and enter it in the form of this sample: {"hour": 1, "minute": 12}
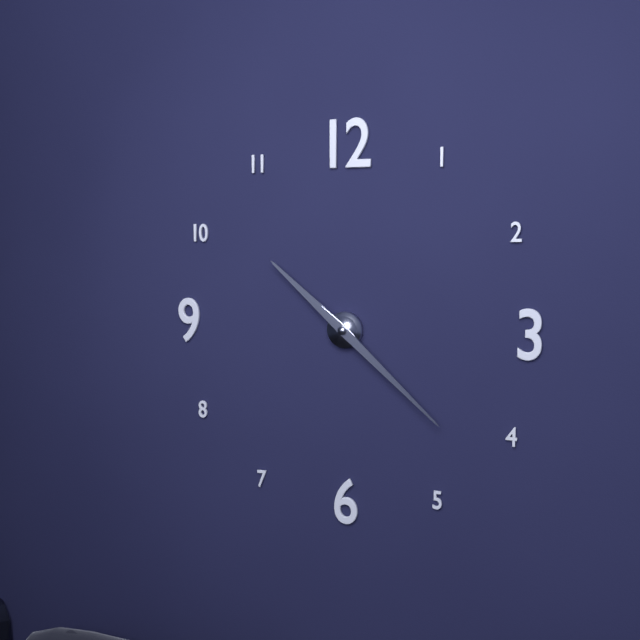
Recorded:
{"hour": 10, "minute": 22}
